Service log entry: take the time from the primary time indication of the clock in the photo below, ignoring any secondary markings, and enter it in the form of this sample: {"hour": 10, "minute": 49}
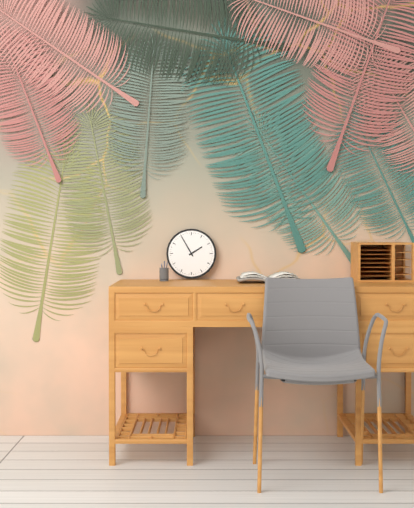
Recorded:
{"hour": 1, "minute": 55}
